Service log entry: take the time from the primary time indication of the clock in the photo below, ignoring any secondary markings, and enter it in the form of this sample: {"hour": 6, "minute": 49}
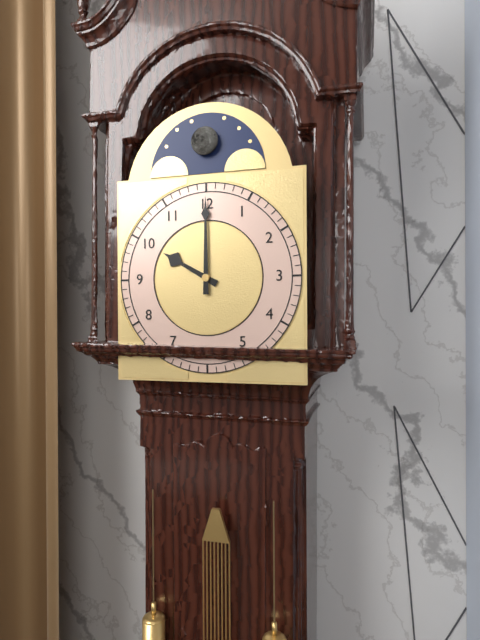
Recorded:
{"hour": 10, "minute": 0}
